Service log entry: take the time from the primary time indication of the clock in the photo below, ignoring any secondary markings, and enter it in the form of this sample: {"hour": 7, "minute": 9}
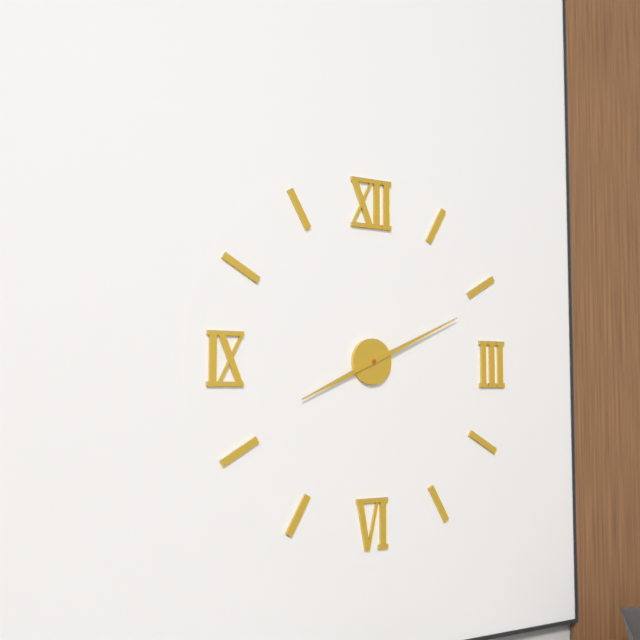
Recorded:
{"hour": 8, "minute": 11}
